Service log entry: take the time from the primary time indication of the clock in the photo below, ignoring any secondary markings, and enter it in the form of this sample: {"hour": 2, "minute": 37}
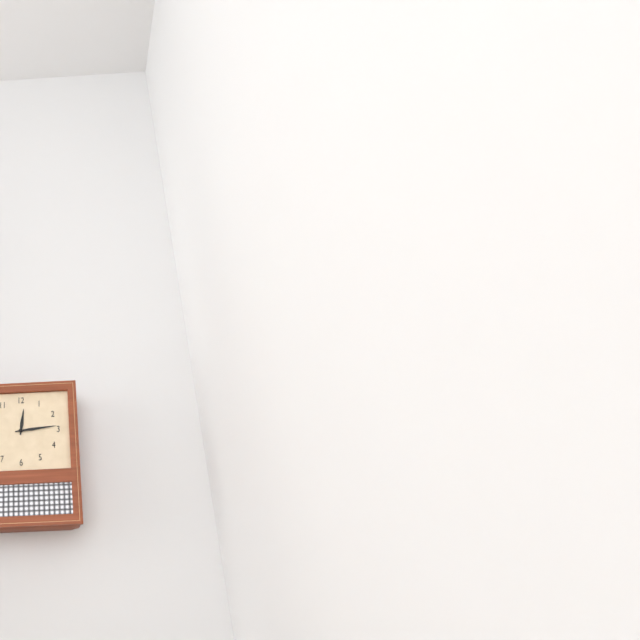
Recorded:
{"hour": 12, "minute": 14}
